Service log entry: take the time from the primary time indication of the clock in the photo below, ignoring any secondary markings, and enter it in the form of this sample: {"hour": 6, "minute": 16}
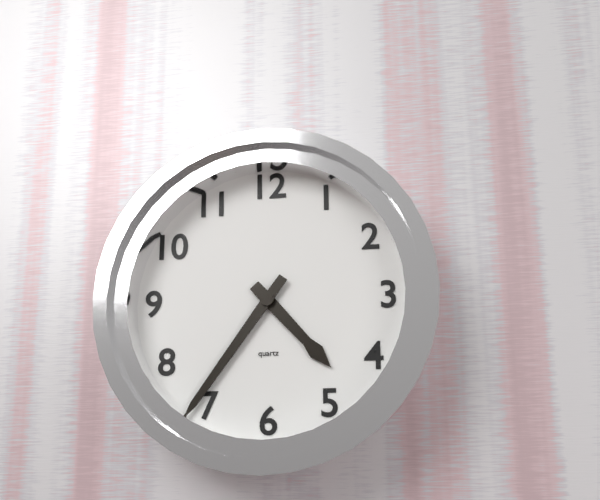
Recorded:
{"hour": 4, "minute": 36}
